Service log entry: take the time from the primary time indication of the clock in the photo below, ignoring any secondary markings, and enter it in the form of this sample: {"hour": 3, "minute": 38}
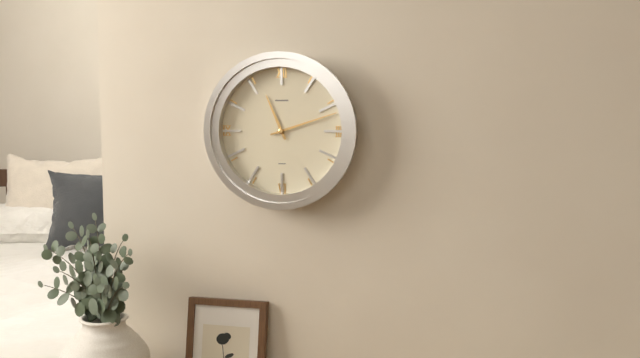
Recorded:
{"hour": 11, "minute": 12}
